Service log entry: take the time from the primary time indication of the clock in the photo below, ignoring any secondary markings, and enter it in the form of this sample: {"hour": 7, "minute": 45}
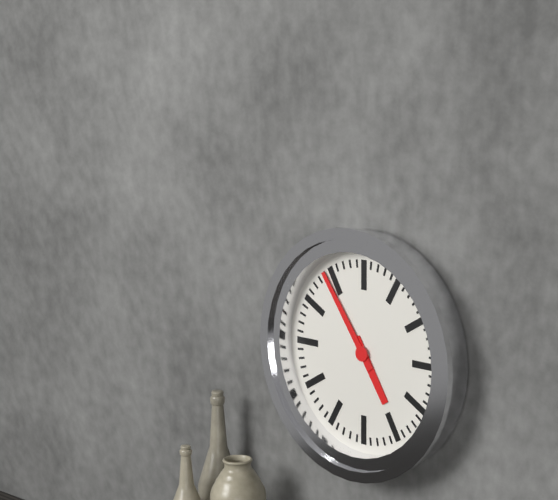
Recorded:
{"hour": 4, "minute": 54}
